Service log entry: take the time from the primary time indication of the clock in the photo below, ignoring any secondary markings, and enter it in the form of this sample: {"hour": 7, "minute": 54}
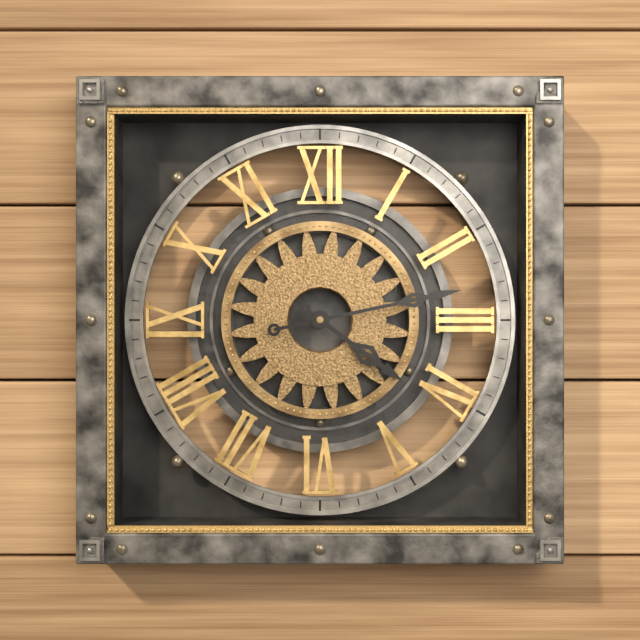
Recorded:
{"hour": 4, "minute": 13}
